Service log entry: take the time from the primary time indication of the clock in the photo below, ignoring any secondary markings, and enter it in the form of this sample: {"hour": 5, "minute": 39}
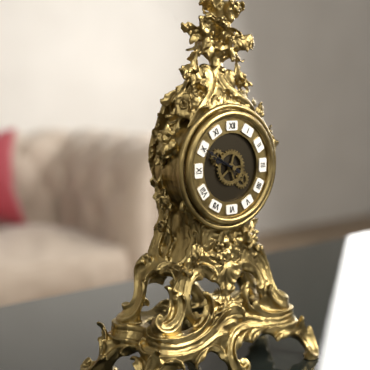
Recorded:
{"hour": 9, "minute": 50}
